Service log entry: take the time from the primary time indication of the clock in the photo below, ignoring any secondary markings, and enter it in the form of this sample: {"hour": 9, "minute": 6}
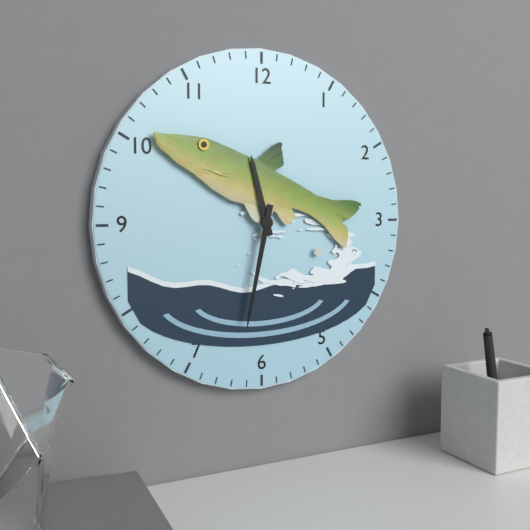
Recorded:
{"hour": 11, "minute": 32}
